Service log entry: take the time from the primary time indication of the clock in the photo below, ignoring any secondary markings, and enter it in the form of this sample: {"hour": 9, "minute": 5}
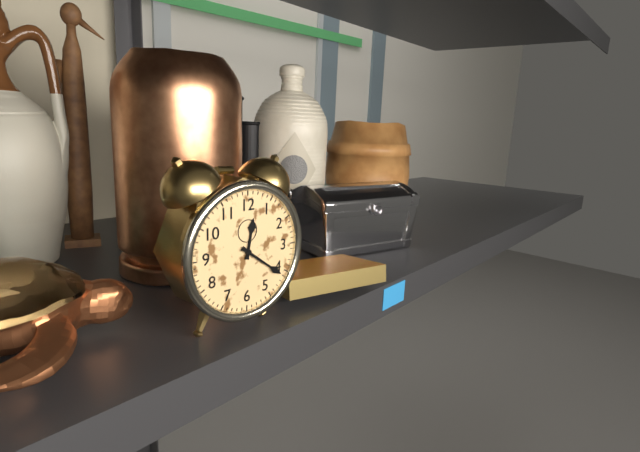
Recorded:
{"hour": 12, "minute": 21}
